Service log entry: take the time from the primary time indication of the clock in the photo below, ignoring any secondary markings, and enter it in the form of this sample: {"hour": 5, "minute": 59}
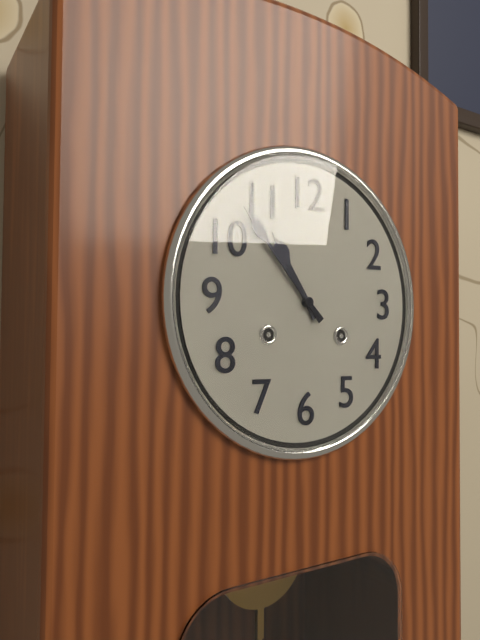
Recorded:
{"hour": 10, "minute": 53}
